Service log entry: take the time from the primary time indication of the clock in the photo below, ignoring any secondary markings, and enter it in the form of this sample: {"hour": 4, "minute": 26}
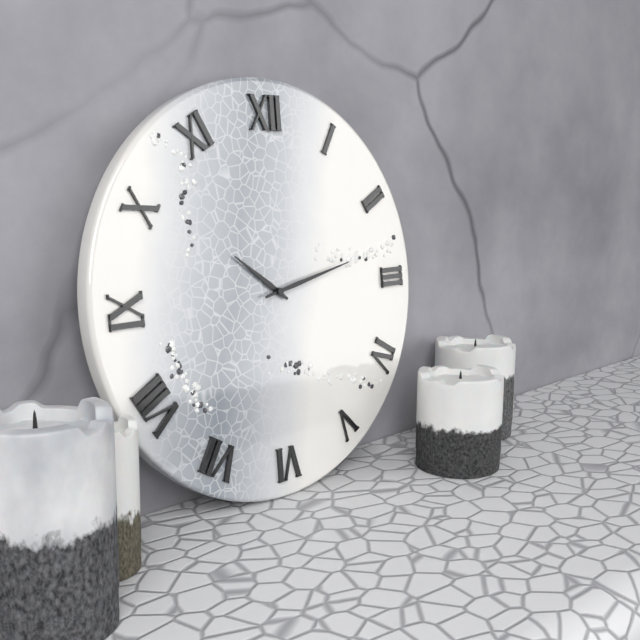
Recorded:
{"hour": 10, "minute": 13}
